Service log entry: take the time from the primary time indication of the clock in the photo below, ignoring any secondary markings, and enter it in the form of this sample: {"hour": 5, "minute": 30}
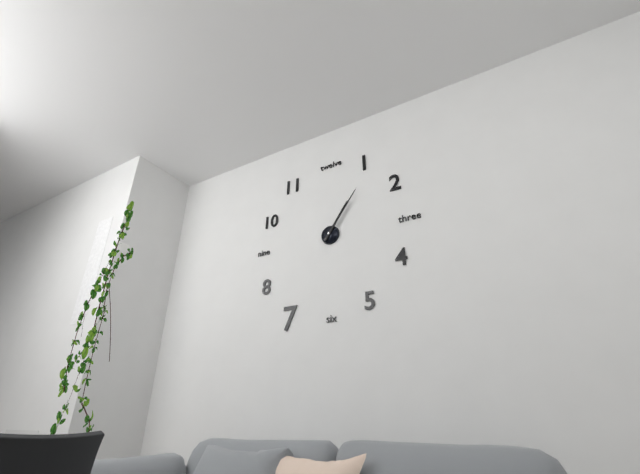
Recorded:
{"hour": 1, "minute": 6}
